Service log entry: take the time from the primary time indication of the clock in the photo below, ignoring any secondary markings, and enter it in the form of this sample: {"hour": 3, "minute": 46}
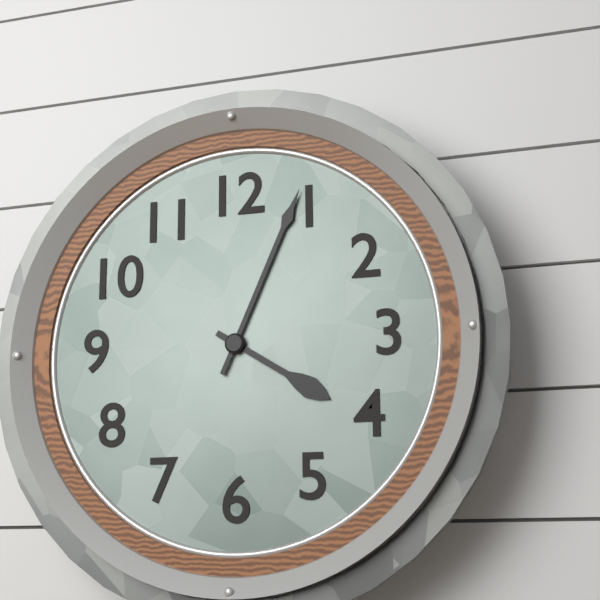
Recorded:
{"hour": 4, "minute": 4}
